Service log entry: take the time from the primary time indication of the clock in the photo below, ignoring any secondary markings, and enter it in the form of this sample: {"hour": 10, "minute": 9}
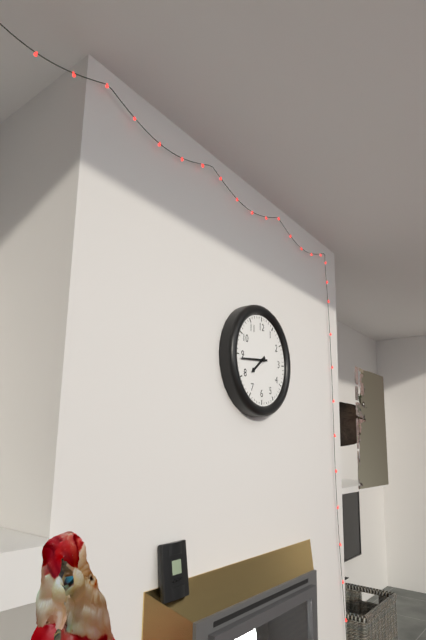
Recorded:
{"hour": 7, "minute": 44}
